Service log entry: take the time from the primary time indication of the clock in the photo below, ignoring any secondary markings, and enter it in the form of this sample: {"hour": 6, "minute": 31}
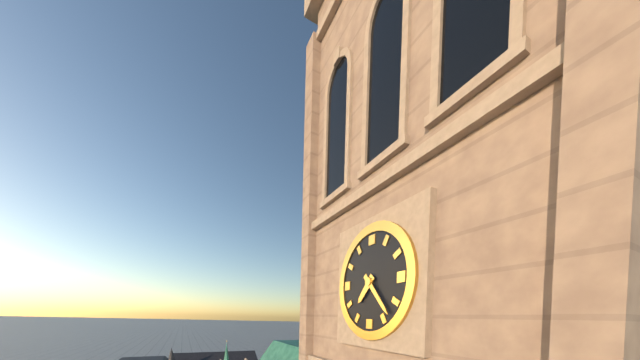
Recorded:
{"hour": 7, "minute": 23}
